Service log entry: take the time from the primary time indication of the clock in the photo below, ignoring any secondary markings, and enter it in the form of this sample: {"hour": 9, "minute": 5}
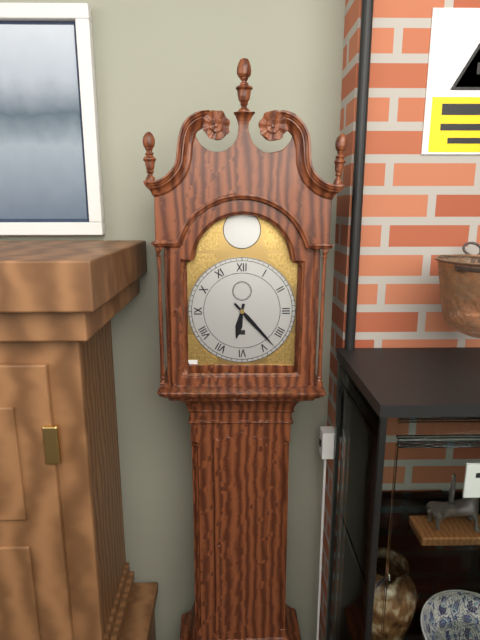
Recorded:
{"hour": 6, "minute": 23}
